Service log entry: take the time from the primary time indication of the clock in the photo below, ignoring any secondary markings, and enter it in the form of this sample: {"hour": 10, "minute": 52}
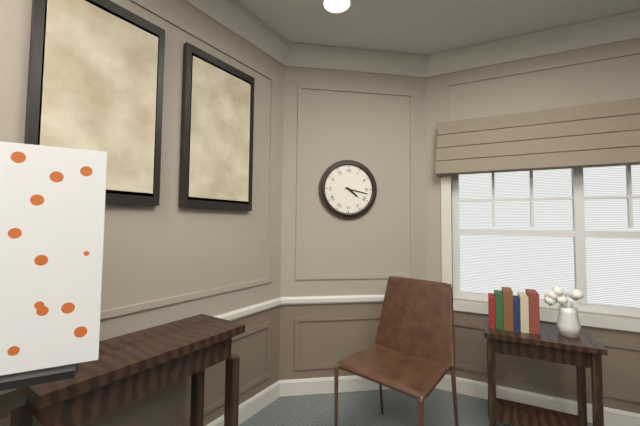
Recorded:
{"hour": 4, "minute": 17}
